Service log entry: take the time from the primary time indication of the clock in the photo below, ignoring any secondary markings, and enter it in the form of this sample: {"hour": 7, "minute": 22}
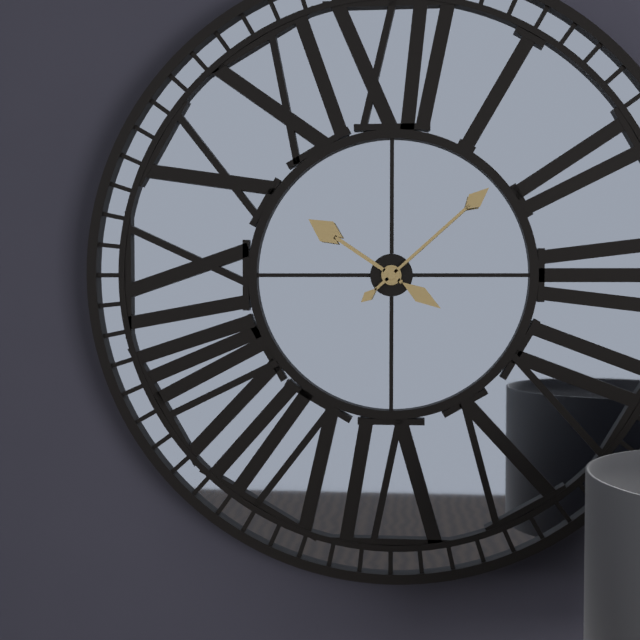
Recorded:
{"hour": 10, "minute": 8}
